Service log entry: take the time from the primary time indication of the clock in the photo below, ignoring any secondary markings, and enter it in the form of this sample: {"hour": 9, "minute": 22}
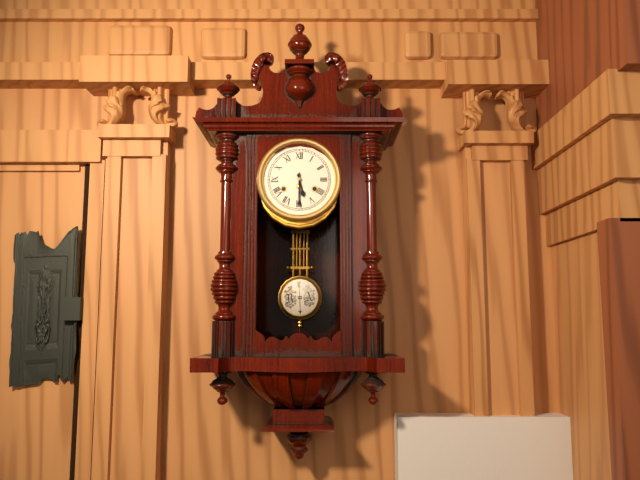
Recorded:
{"hour": 5, "minute": 30}
